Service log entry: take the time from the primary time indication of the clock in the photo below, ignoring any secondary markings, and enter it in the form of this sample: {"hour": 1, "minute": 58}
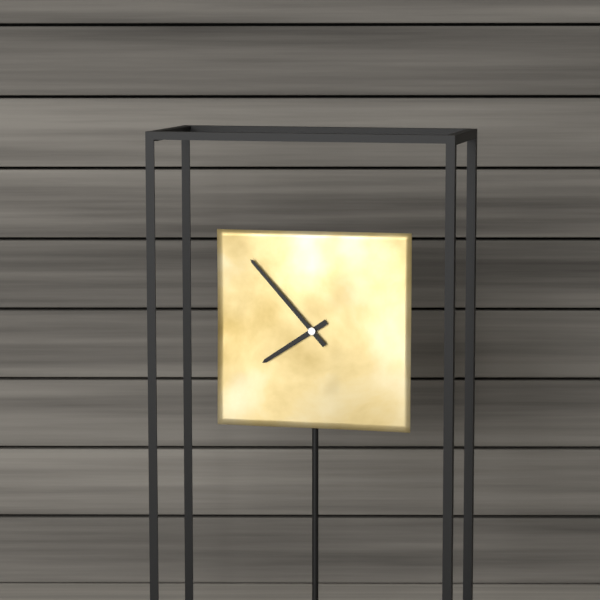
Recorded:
{"hour": 7, "minute": 53}
